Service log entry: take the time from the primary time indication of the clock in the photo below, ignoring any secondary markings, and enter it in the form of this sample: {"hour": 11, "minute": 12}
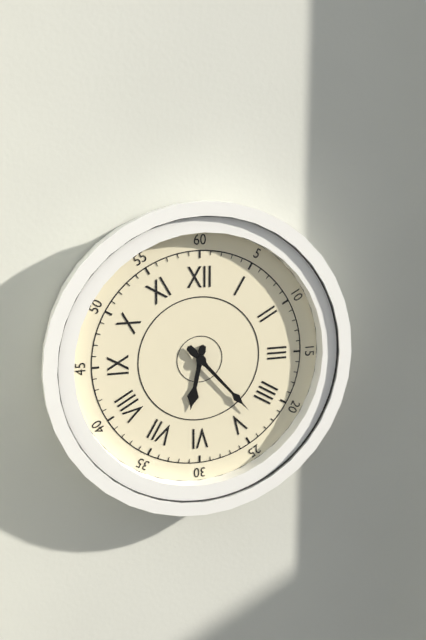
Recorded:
{"hour": 6, "minute": 23}
